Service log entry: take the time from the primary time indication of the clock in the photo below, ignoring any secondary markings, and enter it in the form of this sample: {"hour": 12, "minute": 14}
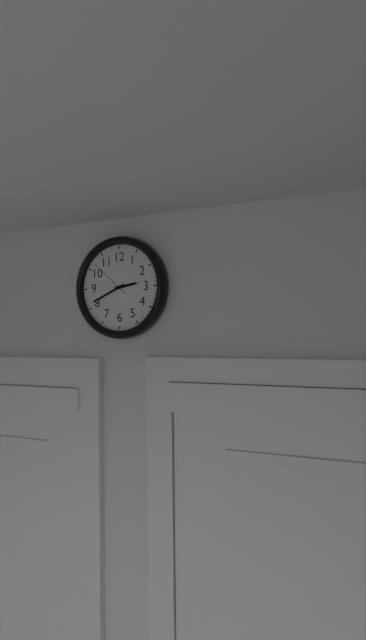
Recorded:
{"hour": 2, "minute": 41}
